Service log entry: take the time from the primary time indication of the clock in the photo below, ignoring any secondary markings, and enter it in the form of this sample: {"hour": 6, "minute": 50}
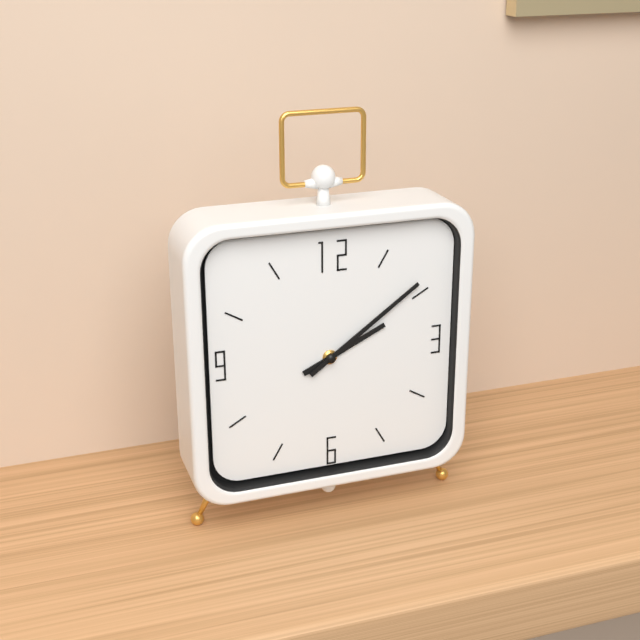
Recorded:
{"hour": 2, "minute": 9}
